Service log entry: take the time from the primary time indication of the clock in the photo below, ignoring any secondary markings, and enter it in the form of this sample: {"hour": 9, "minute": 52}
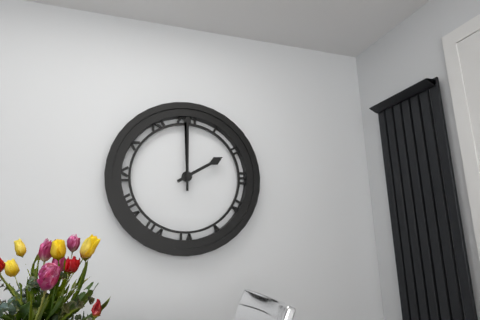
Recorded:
{"hour": 2, "minute": 0}
